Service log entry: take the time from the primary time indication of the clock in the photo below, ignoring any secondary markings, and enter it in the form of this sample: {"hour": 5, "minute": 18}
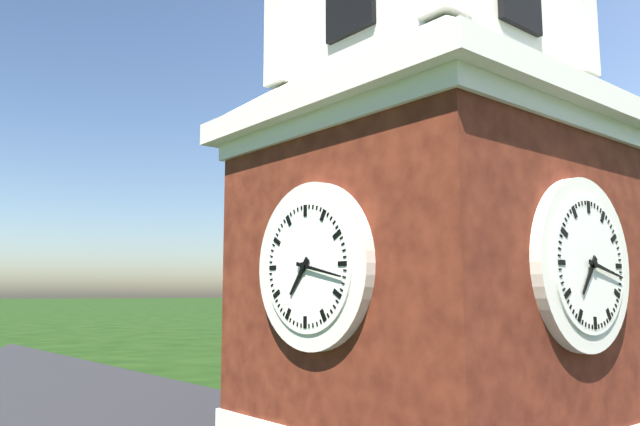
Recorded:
{"hour": 7, "minute": 17}
